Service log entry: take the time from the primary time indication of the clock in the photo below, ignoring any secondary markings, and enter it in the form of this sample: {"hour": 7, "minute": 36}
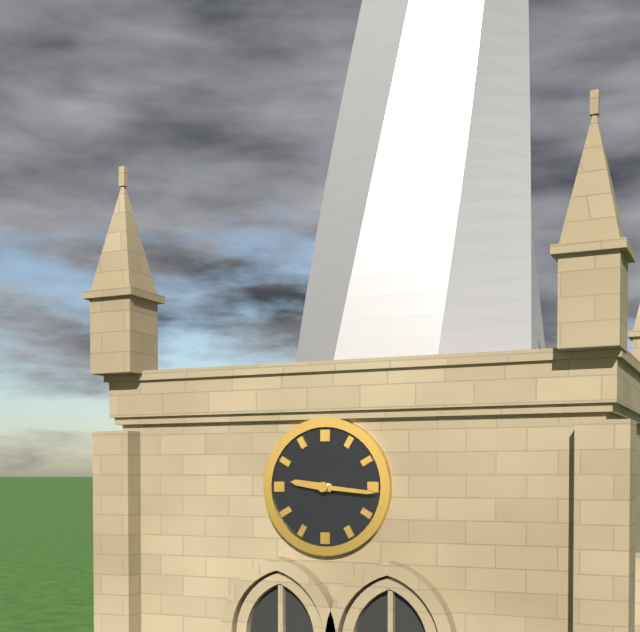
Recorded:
{"hour": 9, "minute": 16}
